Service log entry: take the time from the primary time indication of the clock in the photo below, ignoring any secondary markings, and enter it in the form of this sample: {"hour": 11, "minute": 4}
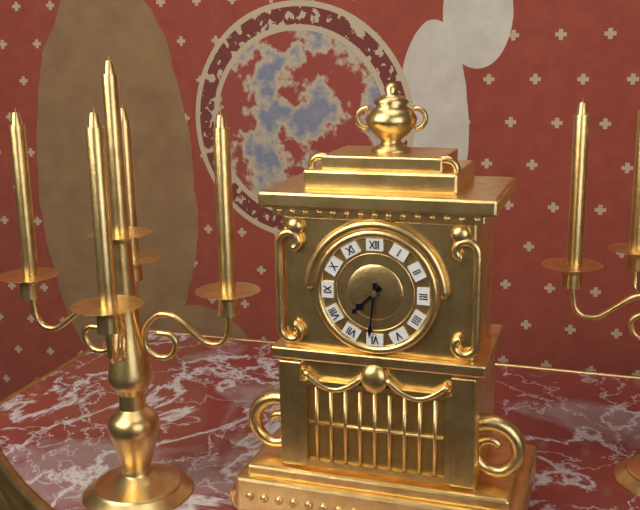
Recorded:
{"hour": 7, "minute": 31}
